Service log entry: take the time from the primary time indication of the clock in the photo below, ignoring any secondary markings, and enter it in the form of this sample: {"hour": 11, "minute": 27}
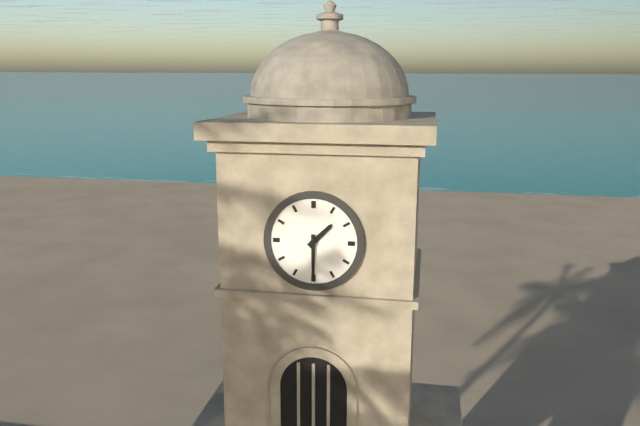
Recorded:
{"hour": 1, "minute": 30}
